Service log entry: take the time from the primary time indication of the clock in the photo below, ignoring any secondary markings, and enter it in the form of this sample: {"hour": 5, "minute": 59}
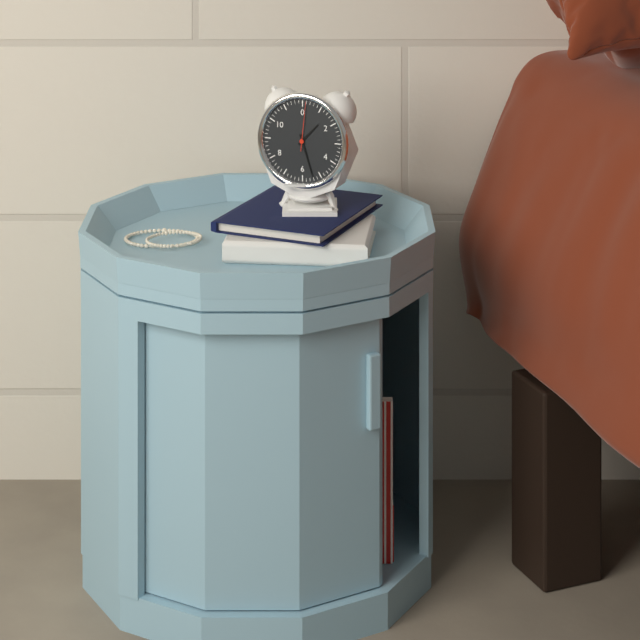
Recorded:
{"hour": 1, "minute": 27}
